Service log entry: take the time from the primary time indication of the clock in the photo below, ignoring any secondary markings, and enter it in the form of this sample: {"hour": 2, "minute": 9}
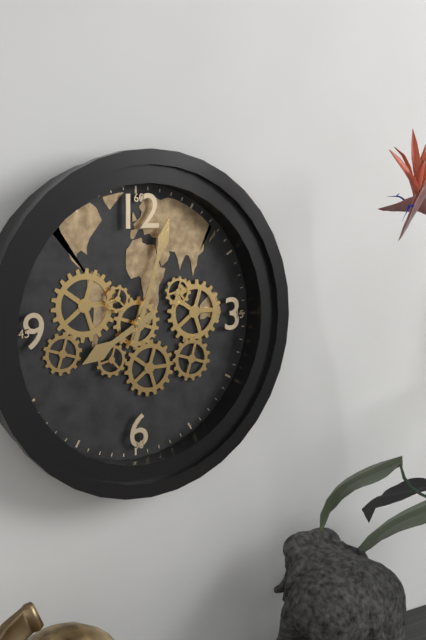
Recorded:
{"hour": 8, "minute": 3}
